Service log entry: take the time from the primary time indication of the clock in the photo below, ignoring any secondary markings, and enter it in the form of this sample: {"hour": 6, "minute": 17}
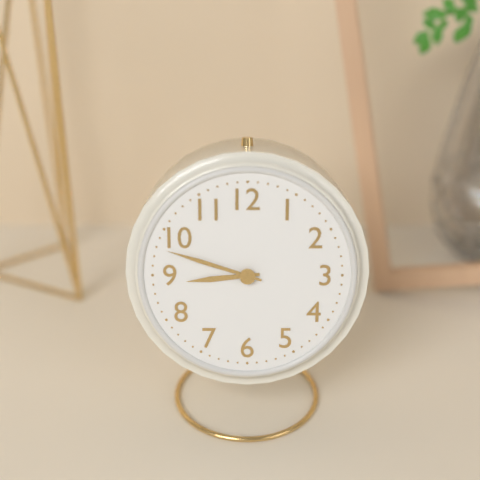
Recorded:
{"hour": 8, "minute": 48}
